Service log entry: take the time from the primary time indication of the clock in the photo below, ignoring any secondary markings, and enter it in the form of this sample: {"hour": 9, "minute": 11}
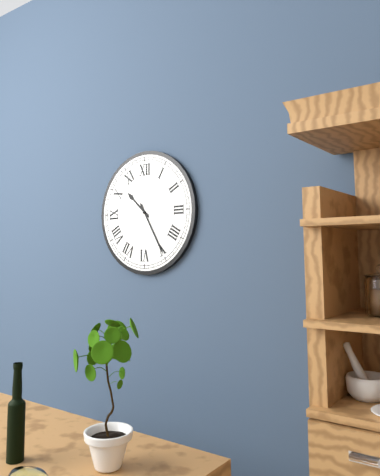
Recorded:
{"hour": 10, "minute": 25}
